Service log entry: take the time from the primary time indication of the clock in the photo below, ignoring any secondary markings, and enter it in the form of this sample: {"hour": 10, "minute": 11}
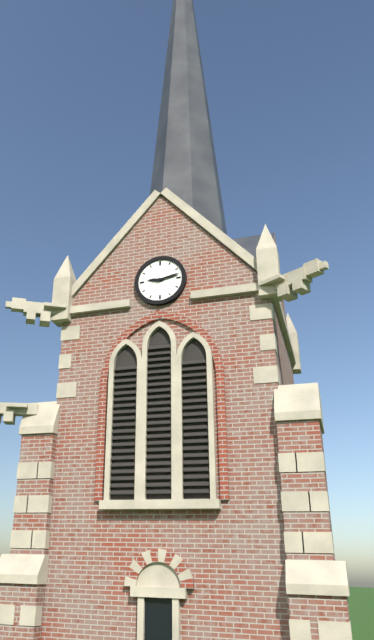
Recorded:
{"hour": 9, "minute": 13}
